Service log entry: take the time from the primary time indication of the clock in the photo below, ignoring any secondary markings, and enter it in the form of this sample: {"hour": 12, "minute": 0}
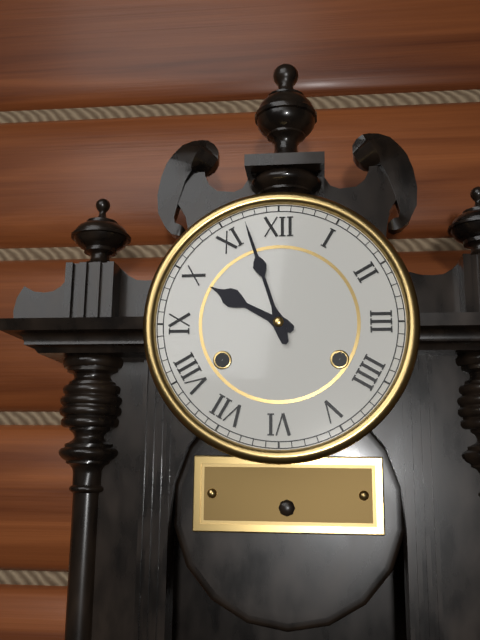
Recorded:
{"hour": 9, "minute": 57}
